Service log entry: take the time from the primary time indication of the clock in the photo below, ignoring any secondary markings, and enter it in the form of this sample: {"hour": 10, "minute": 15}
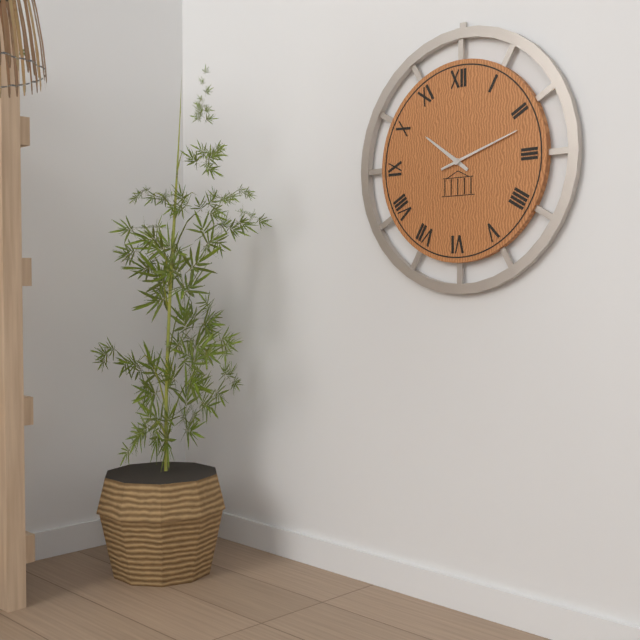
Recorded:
{"hour": 10, "minute": 12}
